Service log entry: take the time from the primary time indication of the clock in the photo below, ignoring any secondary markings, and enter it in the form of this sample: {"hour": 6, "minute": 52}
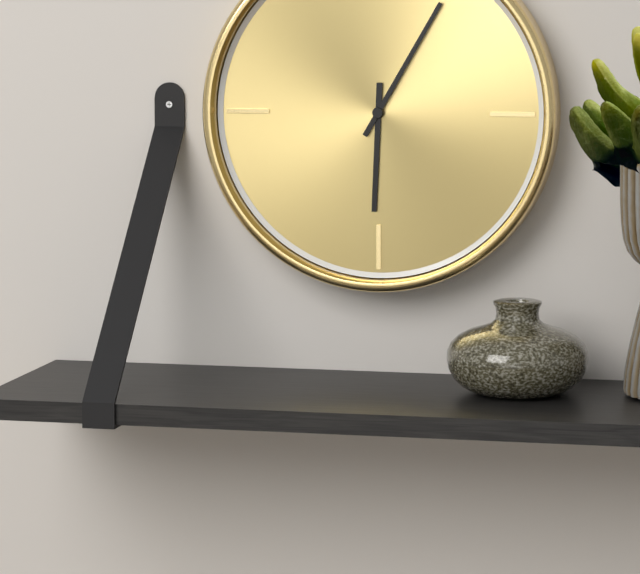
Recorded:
{"hour": 6, "minute": 5}
